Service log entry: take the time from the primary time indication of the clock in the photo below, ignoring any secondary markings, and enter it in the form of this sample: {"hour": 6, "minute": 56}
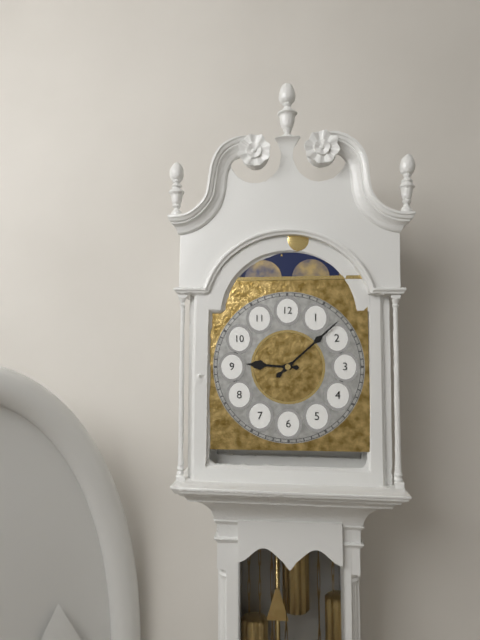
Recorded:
{"hour": 9, "minute": 8}
